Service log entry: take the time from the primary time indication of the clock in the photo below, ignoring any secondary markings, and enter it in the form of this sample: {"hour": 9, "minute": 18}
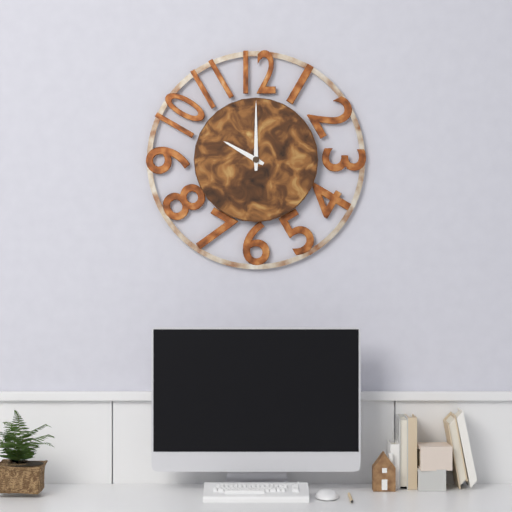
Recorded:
{"hour": 10, "minute": 0}
